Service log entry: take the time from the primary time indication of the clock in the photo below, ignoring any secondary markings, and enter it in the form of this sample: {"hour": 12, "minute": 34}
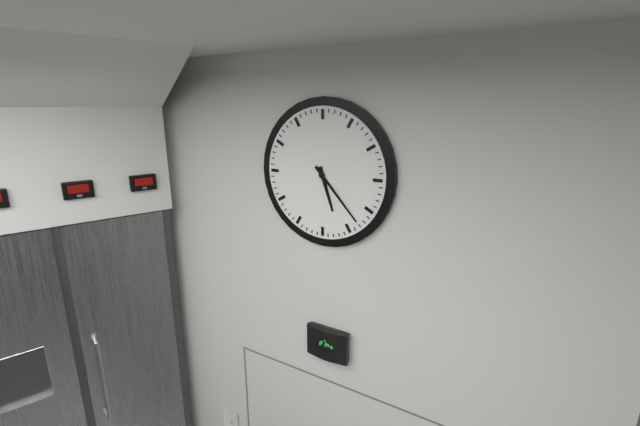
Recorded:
{"hour": 5, "minute": 23}
